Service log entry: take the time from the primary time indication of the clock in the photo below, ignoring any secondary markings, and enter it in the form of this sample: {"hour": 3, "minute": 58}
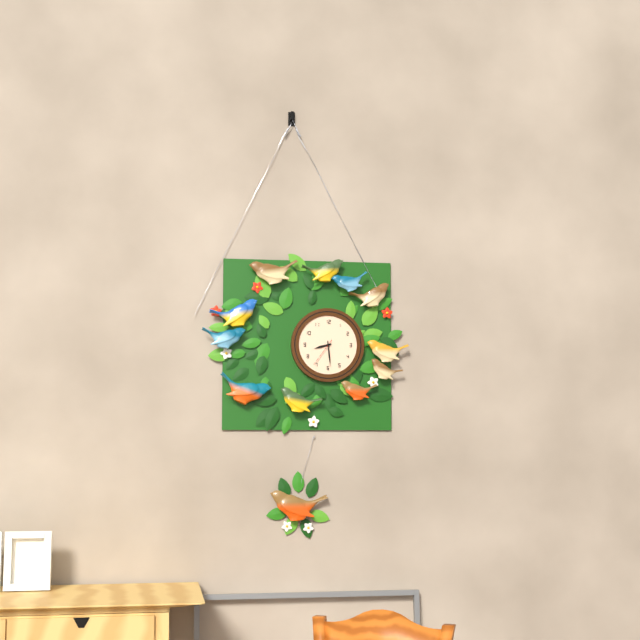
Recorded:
{"hour": 8, "minute": 29}
